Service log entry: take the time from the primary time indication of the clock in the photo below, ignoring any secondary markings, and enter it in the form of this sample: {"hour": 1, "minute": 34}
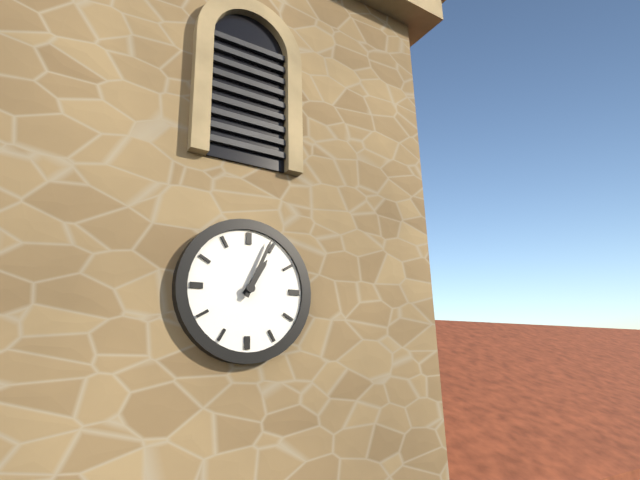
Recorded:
{"hour": 1, "minute": 4}
